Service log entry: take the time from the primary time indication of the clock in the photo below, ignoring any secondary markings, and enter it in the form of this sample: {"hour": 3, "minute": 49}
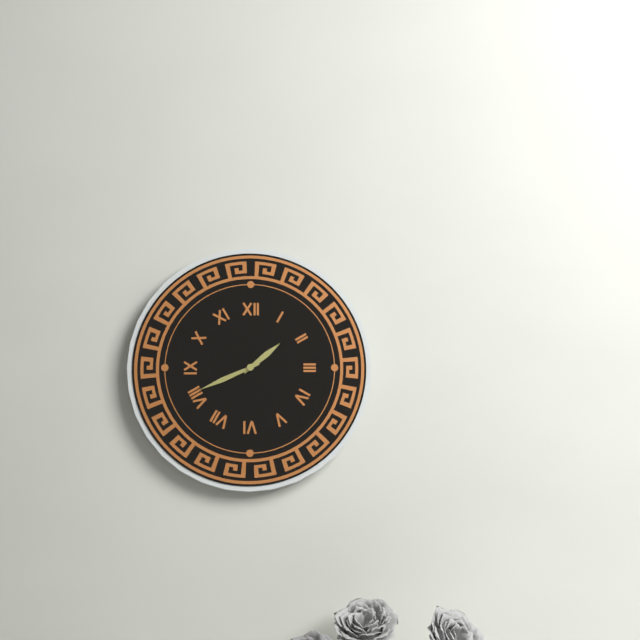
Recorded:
{"hour": 1, "minute": 41}
